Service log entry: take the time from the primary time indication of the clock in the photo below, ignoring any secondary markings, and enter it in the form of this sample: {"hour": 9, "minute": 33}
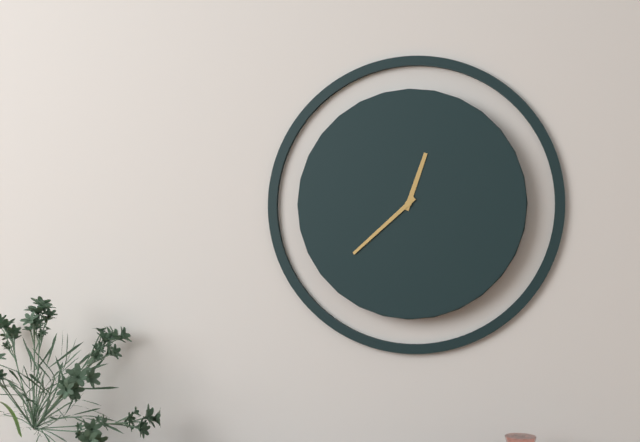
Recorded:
{"hour": 12, "minute": 38}
